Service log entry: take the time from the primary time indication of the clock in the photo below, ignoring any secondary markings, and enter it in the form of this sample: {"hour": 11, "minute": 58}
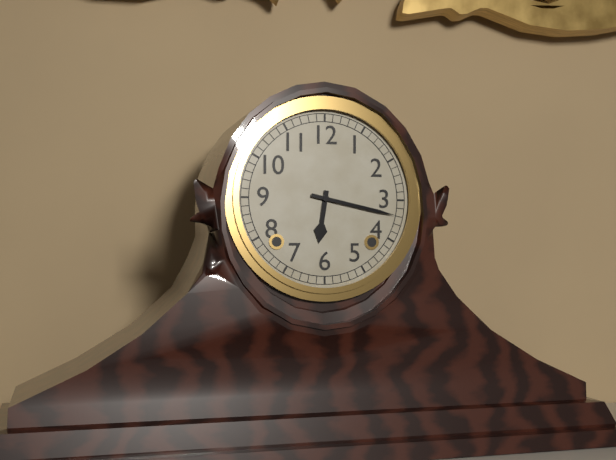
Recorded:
{"hour": 6, "minute": 17}
